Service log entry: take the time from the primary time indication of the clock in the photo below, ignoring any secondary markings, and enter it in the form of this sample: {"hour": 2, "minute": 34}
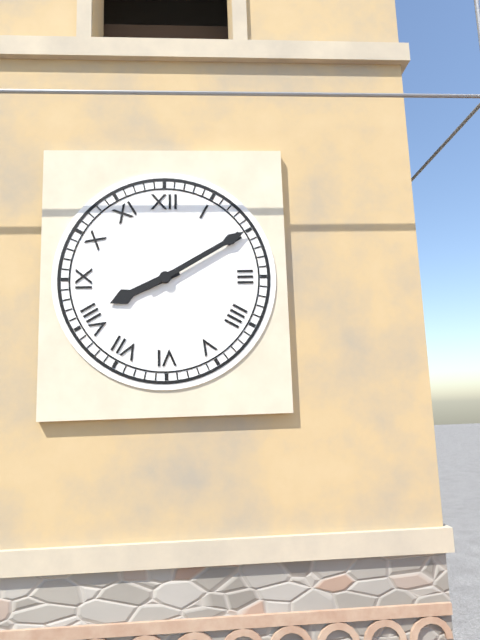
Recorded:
{"hour": 8, "minute": 10}
